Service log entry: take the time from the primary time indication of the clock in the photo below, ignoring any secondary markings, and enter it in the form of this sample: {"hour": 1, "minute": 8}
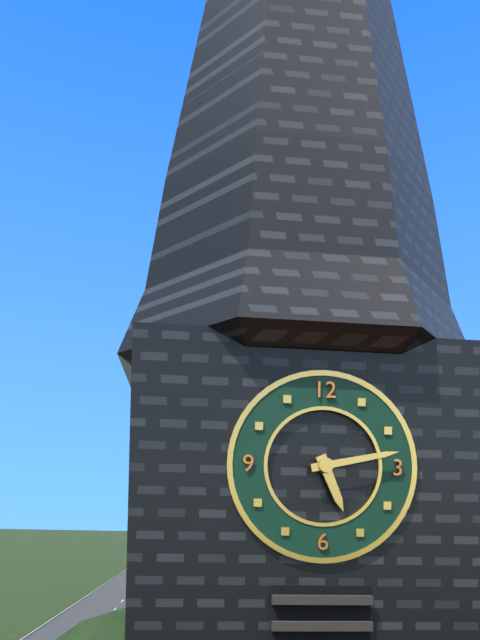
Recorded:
{"hour": 5, "minute": 13}
